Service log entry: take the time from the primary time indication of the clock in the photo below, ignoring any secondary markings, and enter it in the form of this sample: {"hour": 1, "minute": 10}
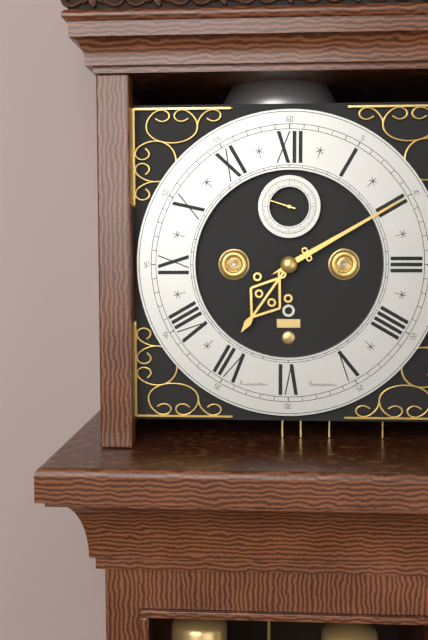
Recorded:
{"hour": 7, "minute": 10}
